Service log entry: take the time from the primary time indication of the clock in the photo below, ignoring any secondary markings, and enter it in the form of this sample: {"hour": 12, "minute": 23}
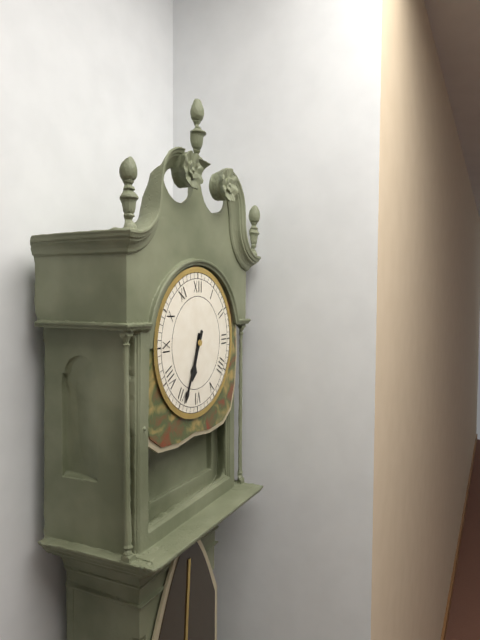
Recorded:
{"hour": 6, "minute": 34}
